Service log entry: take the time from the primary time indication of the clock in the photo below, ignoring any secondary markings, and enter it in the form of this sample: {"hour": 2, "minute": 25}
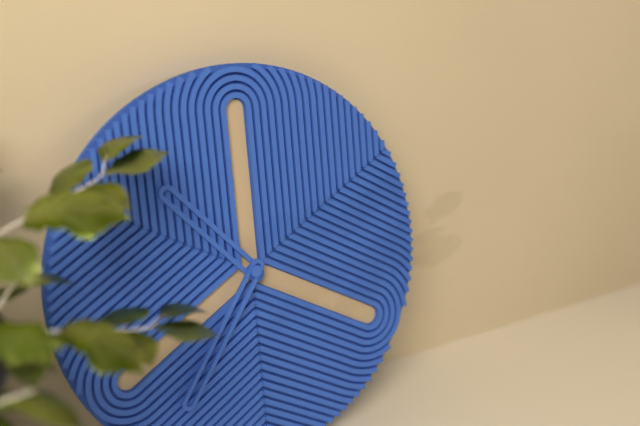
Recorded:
{"hour": 10, "minute": 36}
